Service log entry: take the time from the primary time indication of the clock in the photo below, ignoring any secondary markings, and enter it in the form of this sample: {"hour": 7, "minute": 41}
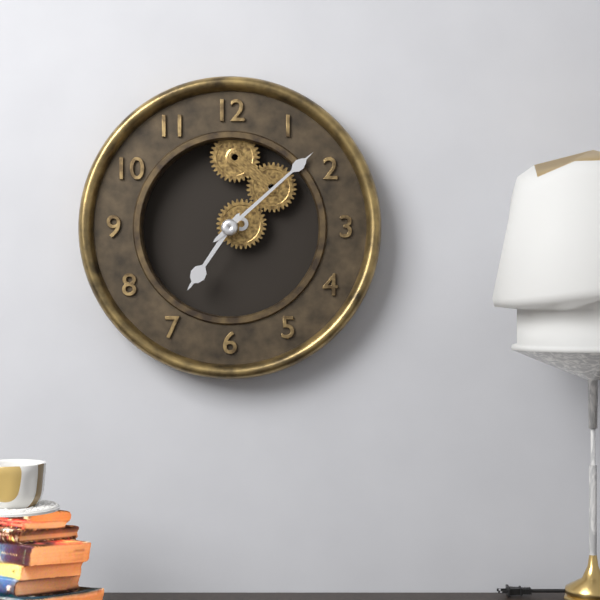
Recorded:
{"hour": 7, "minute": 8}
